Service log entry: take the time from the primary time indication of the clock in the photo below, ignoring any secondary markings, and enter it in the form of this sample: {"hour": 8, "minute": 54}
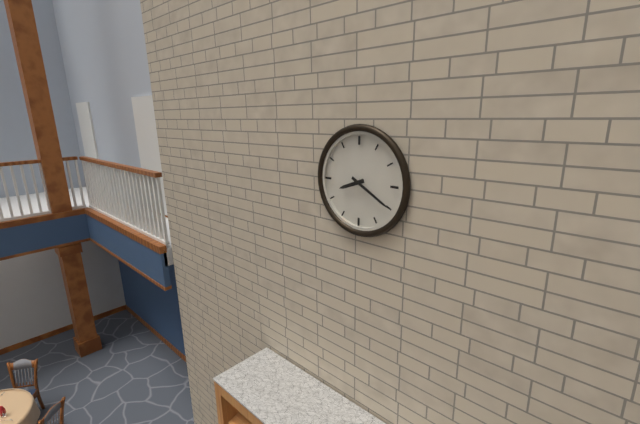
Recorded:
{"hour": 8, "minute": 20}
